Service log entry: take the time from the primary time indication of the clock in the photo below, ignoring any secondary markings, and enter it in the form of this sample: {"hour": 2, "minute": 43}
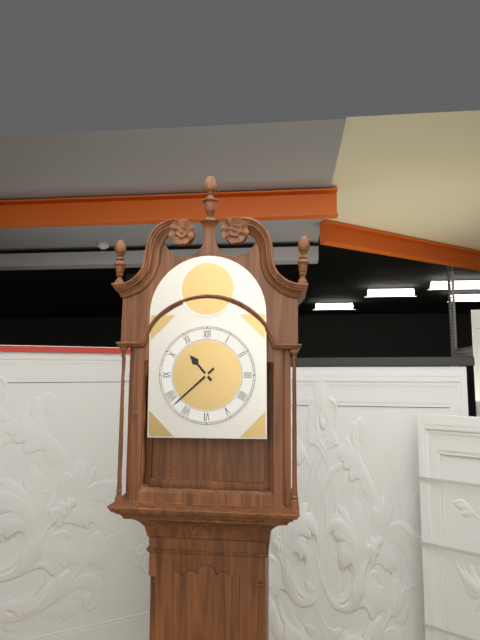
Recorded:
{"hour": 10, "minute": 38}
